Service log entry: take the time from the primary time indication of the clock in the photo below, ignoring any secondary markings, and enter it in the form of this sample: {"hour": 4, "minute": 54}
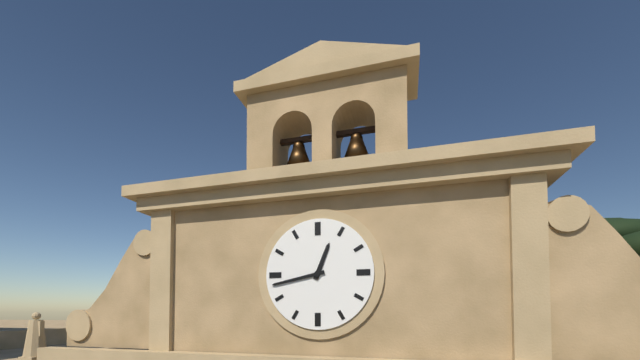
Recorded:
{"hour": 12, "minute": 43}
